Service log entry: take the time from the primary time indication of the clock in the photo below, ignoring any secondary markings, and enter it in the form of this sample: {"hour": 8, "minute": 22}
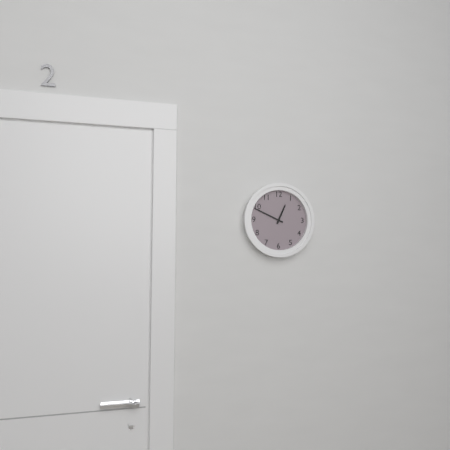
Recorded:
{"hour": 12, "minute": 49}
